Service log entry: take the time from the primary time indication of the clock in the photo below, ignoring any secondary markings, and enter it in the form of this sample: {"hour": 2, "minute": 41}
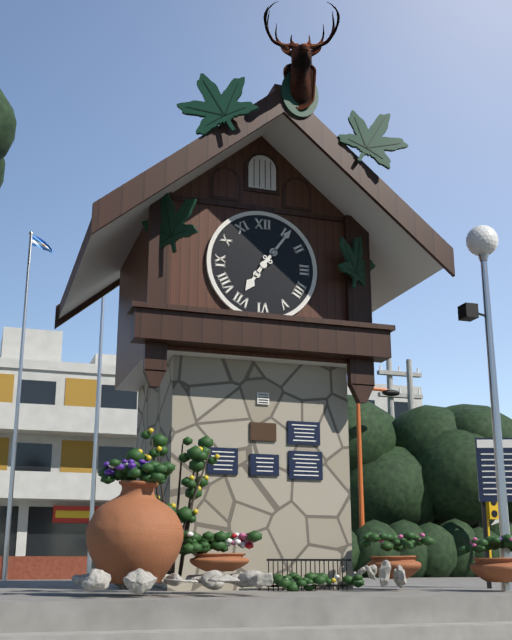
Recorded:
{"hour": 7, "minute": 6}
